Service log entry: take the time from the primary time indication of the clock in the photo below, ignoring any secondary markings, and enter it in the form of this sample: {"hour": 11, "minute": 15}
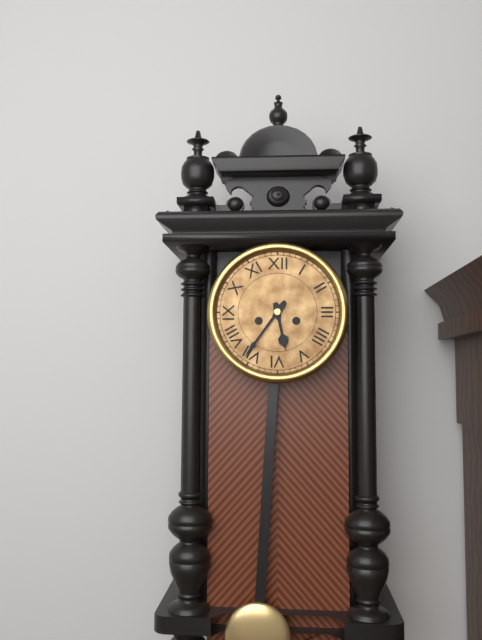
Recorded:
{"hour": 5, "minute": 36}
